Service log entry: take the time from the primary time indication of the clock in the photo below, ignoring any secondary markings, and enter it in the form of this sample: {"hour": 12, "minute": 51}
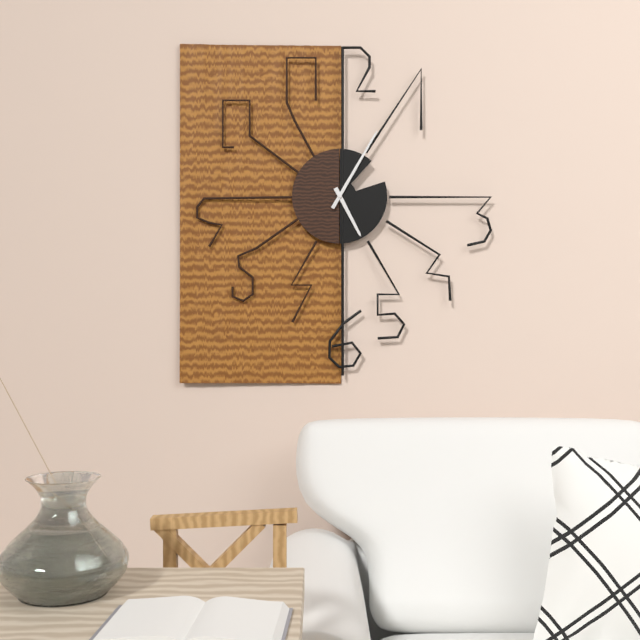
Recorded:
{"hour": 5, "minute": 5}
